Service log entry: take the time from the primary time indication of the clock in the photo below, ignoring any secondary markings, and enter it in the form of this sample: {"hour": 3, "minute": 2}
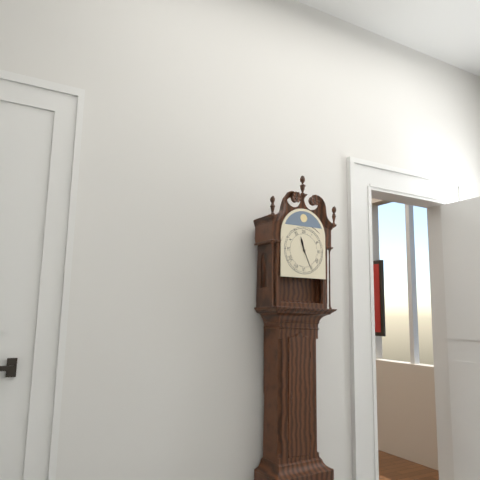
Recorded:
{"hour": 11, "minute": 26}
